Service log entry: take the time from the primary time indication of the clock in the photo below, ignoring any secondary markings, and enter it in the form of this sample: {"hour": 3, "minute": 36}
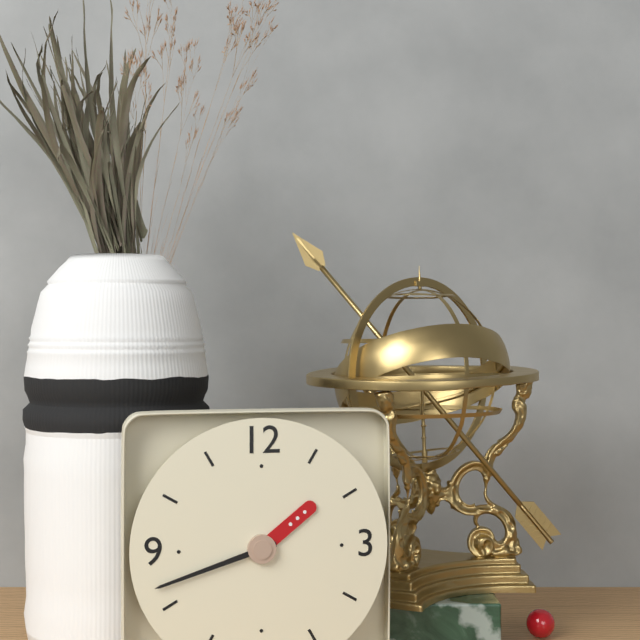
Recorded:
{"hour": 1, "minute": 42}
